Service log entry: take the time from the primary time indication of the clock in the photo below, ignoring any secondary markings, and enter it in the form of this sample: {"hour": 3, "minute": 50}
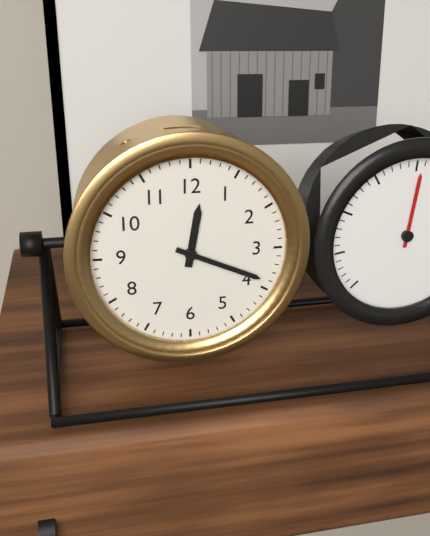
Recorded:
{"hour": 12, "minute": 19}
